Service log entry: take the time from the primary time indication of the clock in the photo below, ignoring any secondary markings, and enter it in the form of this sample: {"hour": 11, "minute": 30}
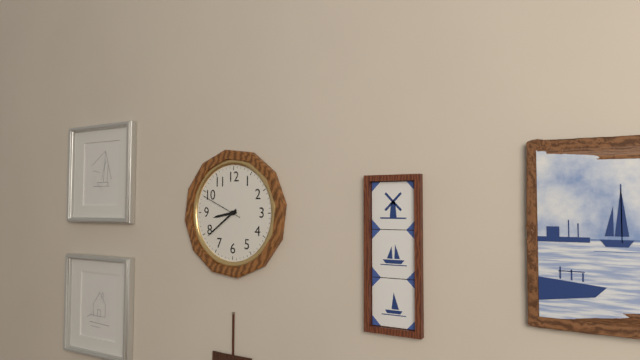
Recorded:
{"hour": 8, "minute": 39}
